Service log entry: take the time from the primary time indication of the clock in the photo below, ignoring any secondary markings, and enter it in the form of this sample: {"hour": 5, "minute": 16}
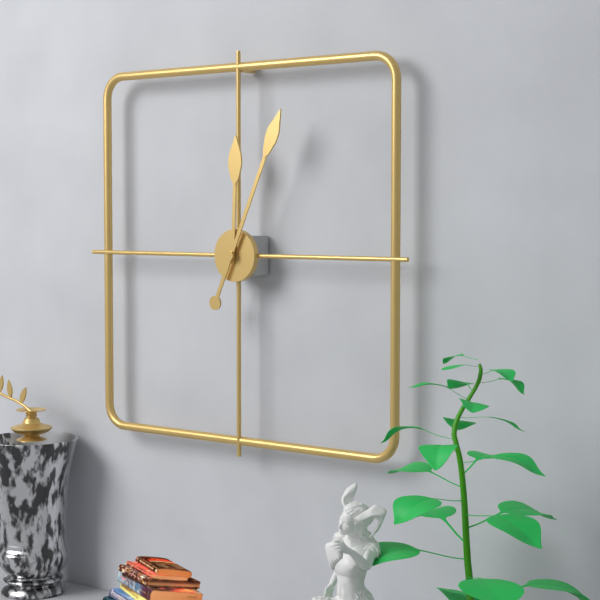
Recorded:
{"hour": 12, "minute": 4}
